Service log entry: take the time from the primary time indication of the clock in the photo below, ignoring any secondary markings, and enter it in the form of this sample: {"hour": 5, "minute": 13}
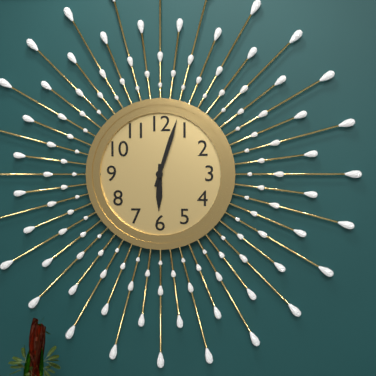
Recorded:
{"hour": 6, "minute": 3}
